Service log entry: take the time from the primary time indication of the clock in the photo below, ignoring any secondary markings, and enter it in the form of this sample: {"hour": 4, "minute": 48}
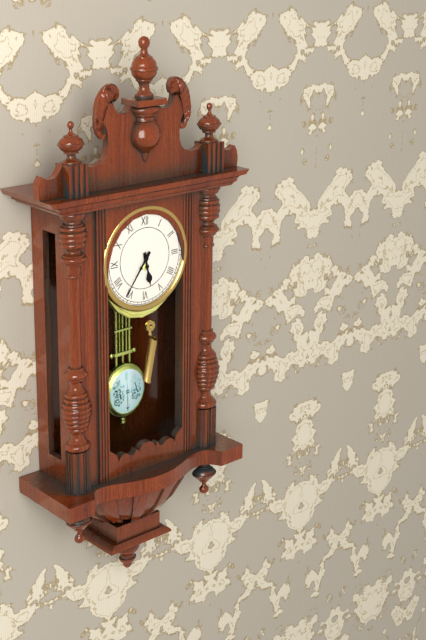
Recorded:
{"hour": 5, "minute": 36}
